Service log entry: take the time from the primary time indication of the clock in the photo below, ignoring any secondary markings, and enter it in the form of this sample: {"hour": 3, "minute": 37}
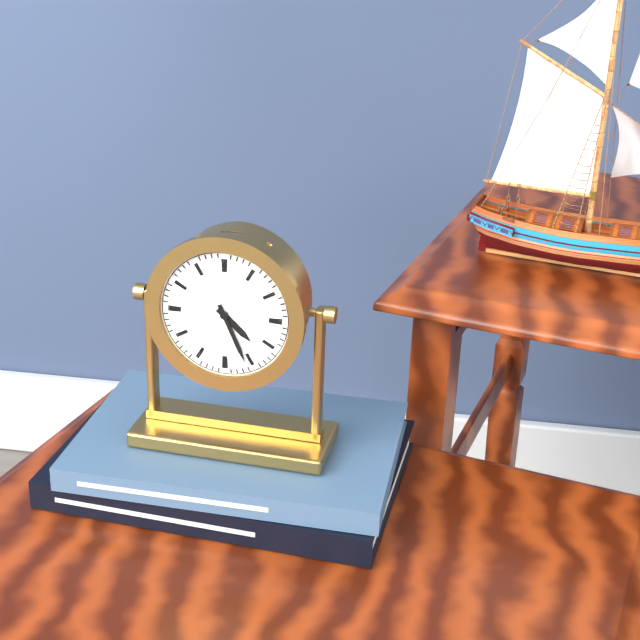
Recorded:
{"hour": 4, "minute": 26}
